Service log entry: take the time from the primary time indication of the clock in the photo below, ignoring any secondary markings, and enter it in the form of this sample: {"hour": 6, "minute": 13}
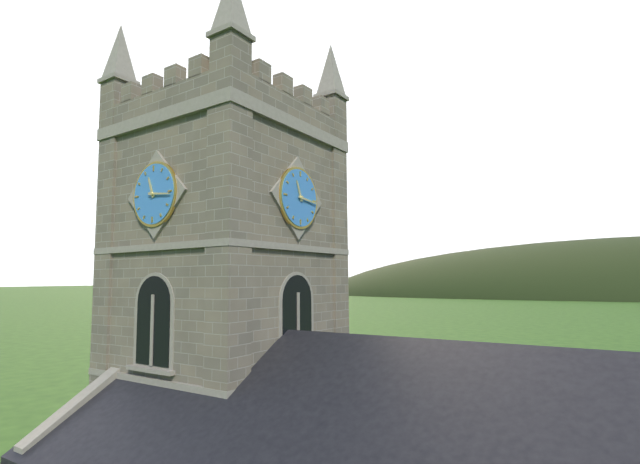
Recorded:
{"hour": 11, "minute": 16}
